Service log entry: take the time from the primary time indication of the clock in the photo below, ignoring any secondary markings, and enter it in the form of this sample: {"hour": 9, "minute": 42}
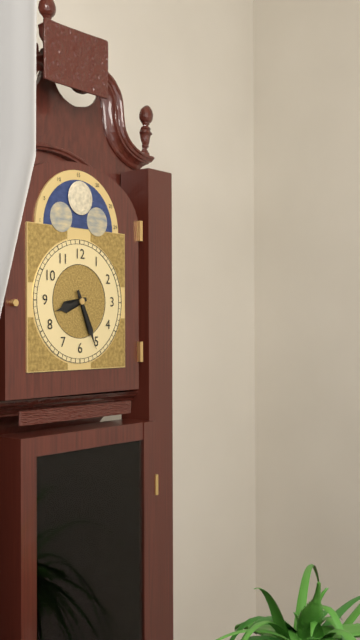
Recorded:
{"hour": 8, "minute": 26}
